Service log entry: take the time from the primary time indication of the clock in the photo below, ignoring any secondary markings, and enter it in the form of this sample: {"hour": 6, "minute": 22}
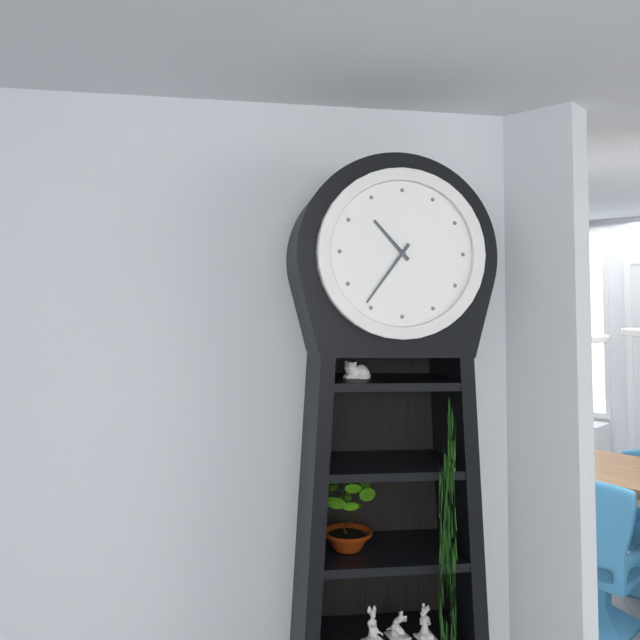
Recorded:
{"hour": 10, "minute": 36}
